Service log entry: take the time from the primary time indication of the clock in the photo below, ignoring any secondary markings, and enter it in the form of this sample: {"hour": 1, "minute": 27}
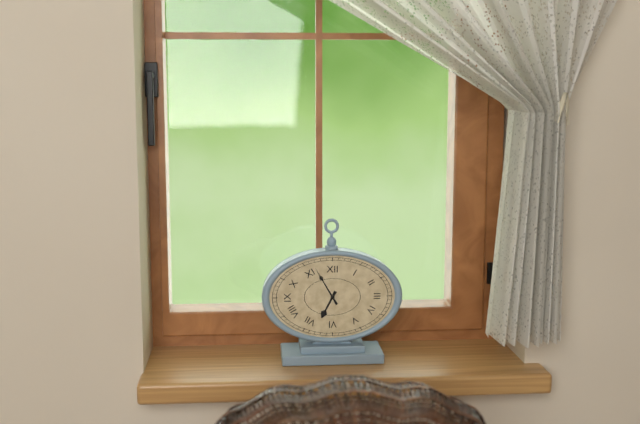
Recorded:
{"hour": 6, "minute": 55}
